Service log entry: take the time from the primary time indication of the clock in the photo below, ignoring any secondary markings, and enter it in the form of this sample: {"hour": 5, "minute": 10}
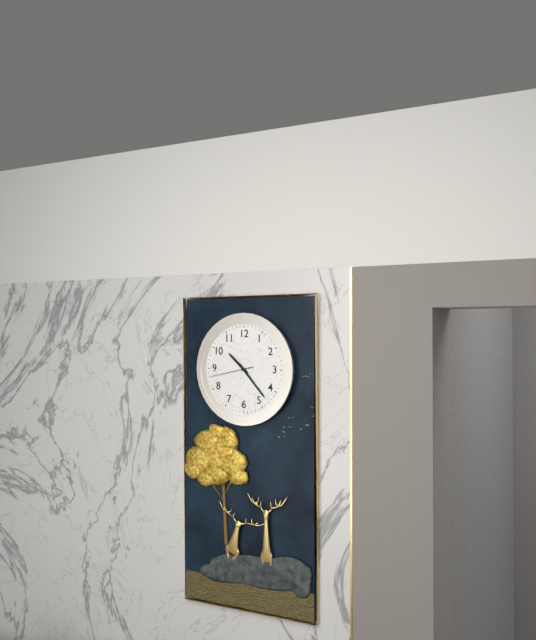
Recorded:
{"hour": 10, "minute": 23}
